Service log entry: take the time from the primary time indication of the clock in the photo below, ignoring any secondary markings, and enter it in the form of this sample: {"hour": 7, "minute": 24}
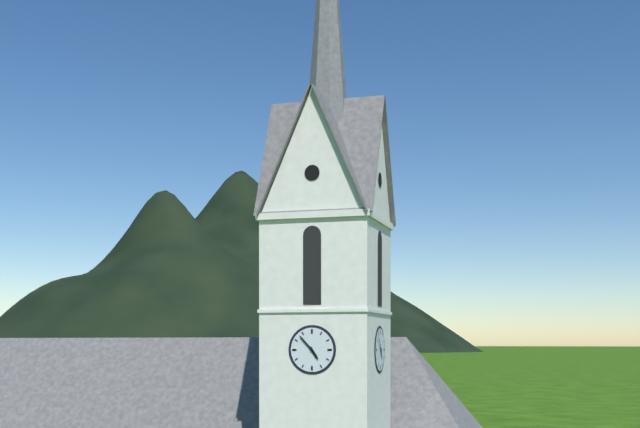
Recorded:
{"hour": 4, "minute": 53}
